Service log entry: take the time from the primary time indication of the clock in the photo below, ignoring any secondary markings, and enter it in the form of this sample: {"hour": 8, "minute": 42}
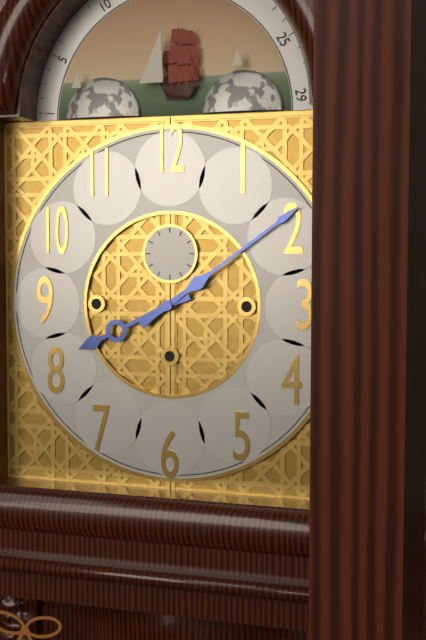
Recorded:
{"hour": 8, "minute": 9}
